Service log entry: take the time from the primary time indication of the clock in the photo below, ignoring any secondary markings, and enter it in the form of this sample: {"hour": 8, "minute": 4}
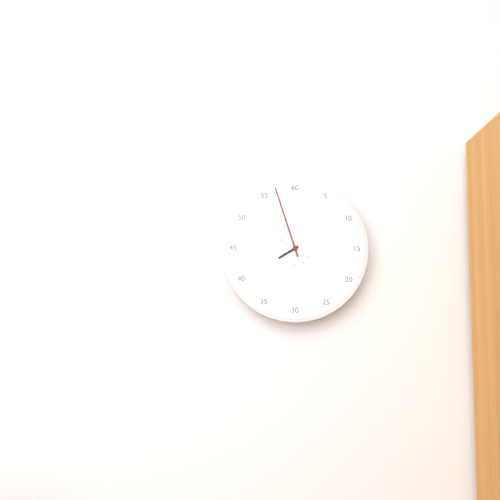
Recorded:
{"hour": 7, "minute": 57}
